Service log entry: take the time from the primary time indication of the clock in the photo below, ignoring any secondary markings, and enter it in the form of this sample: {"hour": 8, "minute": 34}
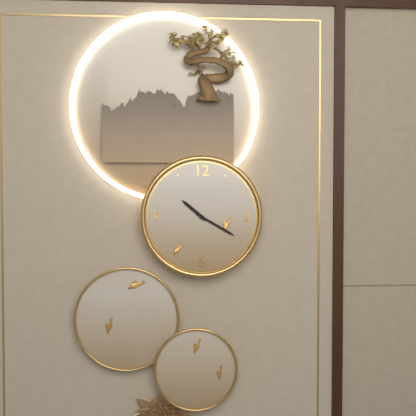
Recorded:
{"hour": 10, "minute": 20}
